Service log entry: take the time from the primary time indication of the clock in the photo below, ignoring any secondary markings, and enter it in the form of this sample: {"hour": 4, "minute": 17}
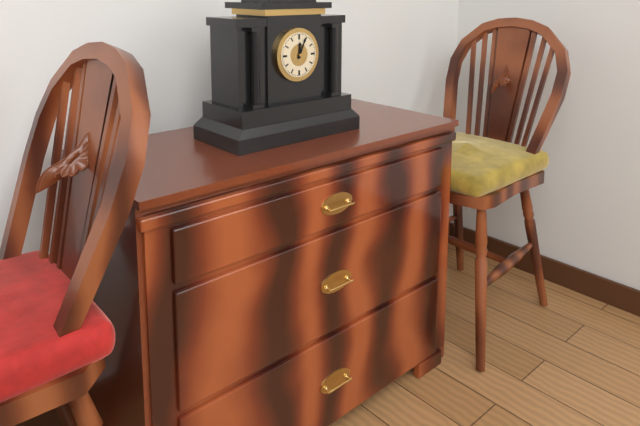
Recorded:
{"hour": 12, "minute": 4}
